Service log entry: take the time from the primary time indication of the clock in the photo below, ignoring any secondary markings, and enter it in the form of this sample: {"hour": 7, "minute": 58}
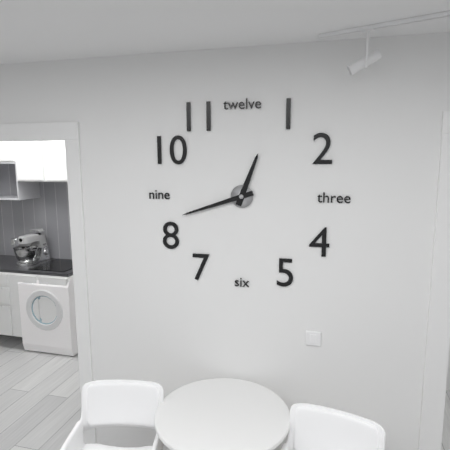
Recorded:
{"hour": 12, "minute": 42}
